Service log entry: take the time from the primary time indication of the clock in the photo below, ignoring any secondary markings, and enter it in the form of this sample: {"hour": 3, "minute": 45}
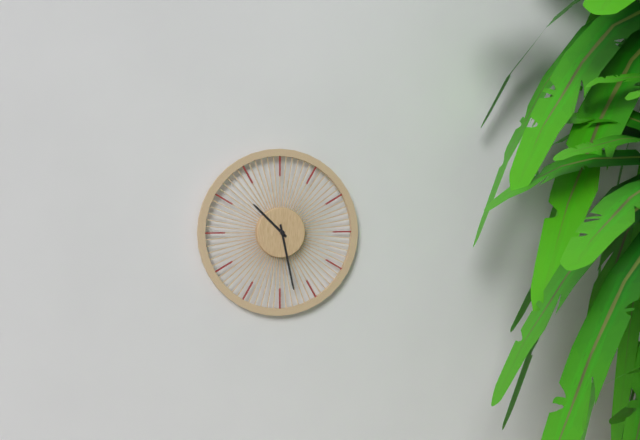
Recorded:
{"hour": 10, "minute": 28}
